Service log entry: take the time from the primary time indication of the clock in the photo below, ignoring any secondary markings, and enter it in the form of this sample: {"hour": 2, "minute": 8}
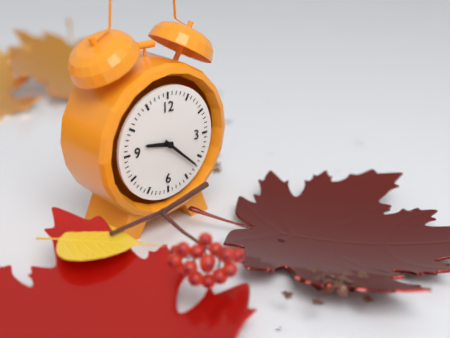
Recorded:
{"hour": 9, "minute": 22}
